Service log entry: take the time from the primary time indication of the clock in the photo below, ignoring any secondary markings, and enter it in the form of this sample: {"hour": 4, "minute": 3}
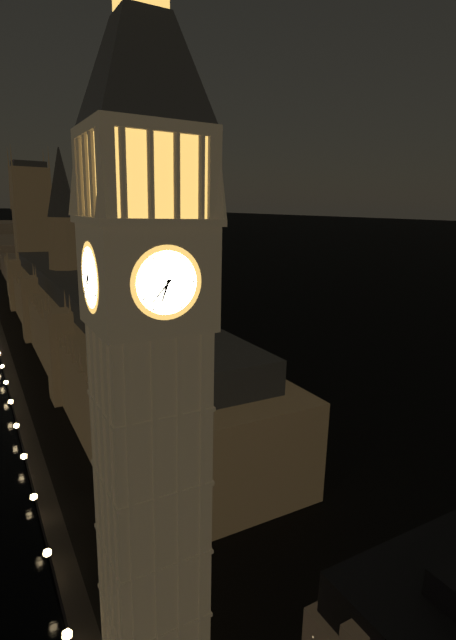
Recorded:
{"hour": 6, "minute": 37}
